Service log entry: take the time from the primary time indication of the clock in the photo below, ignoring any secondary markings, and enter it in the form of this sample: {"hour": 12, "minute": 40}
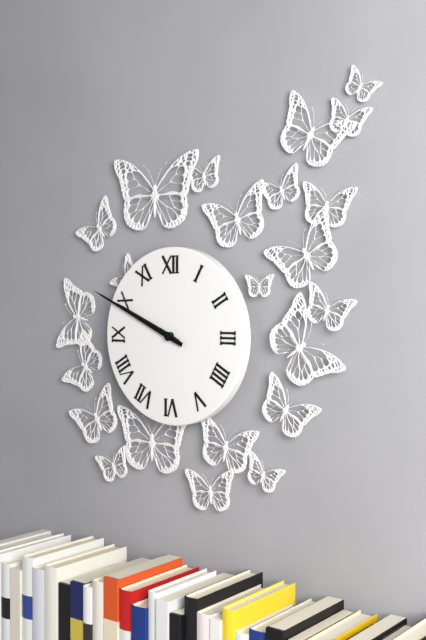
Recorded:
{"hour": 9, "minute": 49}
